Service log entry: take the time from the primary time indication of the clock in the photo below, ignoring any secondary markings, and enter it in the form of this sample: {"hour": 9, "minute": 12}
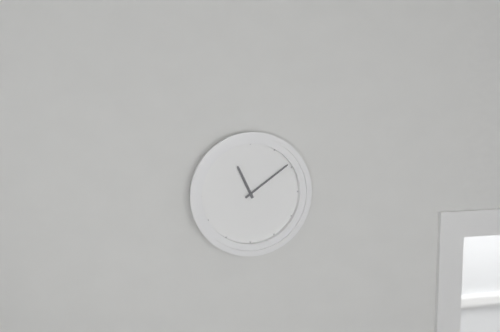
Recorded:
{"hour": 11, "minute": 9}
